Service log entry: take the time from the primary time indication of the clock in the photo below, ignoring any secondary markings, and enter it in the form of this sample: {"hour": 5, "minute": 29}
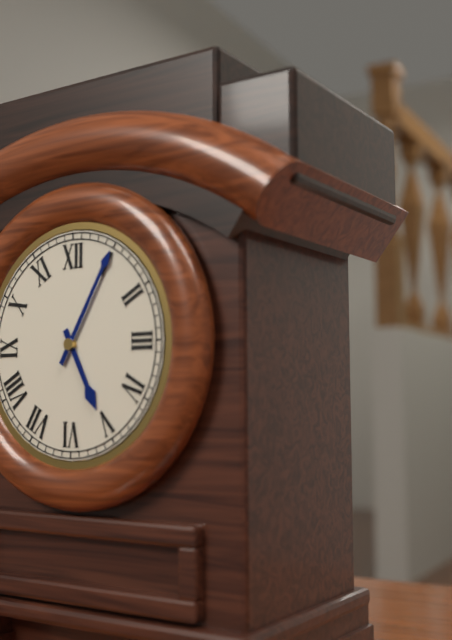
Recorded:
{"hour": 5, "minute": 5}
